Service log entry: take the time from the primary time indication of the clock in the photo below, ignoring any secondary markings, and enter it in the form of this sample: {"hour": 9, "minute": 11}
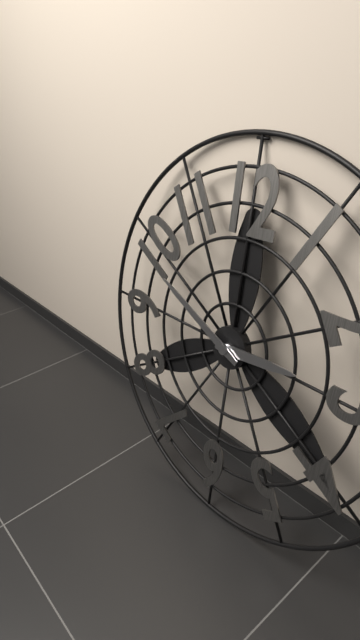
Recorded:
{"hour": 2, "minute": 49}
